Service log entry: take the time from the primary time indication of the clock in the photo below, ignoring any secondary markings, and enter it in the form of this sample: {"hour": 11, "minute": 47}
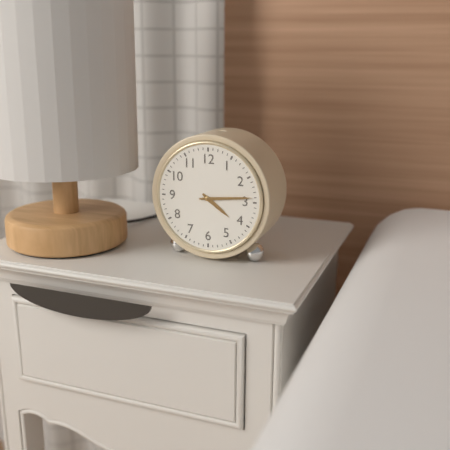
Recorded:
{"hour": 4, "minute": 14}
